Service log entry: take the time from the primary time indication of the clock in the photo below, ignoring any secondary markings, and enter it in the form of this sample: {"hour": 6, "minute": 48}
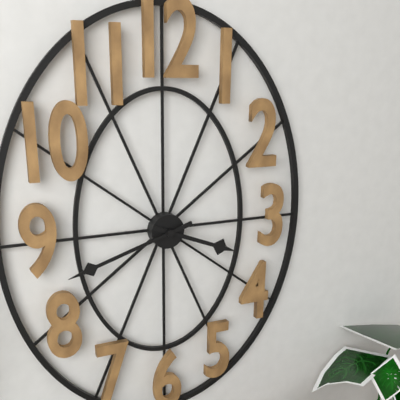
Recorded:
{"hour": 3, "minute": 42}
